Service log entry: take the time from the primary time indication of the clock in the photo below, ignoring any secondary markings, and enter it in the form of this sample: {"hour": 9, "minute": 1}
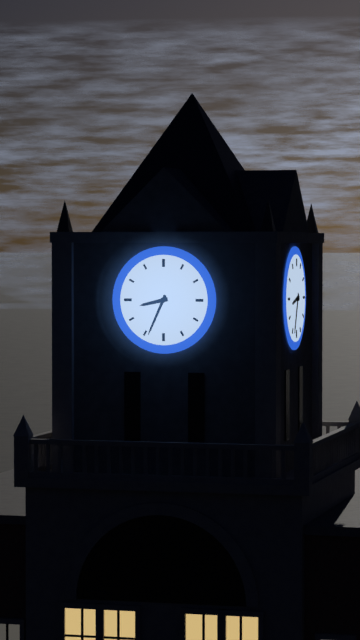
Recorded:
{"hour": 8, "minute": 34}
